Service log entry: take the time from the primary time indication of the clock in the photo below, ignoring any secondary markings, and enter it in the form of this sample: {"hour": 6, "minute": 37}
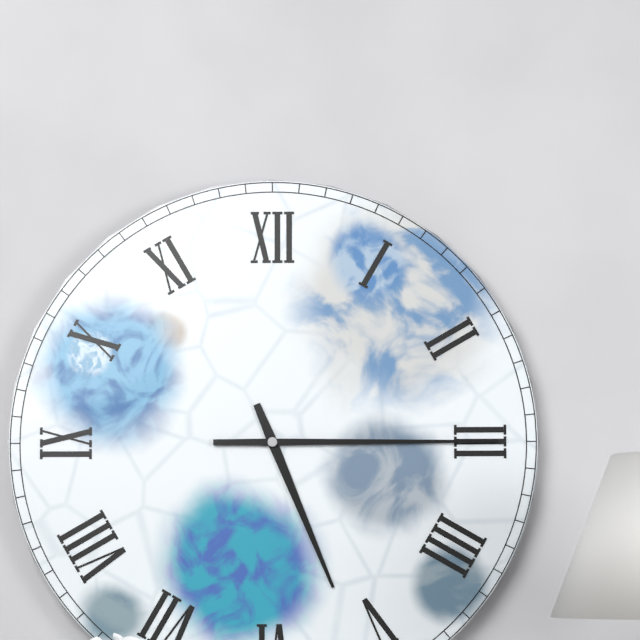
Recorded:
{"hour": 5, "minute": 15}
